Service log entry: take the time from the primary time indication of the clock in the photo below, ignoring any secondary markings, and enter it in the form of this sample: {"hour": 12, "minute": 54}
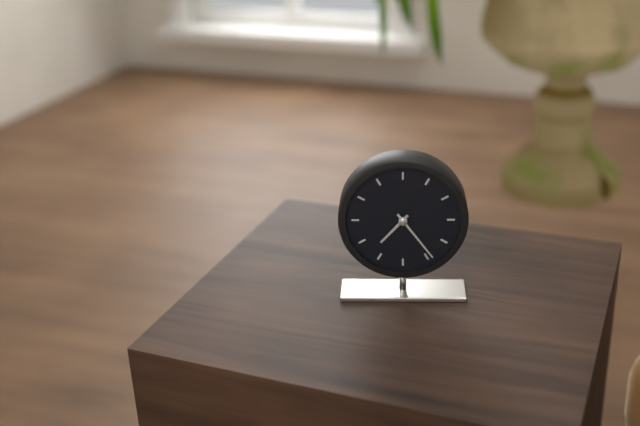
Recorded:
{"hour": 7, "minute": 24}
